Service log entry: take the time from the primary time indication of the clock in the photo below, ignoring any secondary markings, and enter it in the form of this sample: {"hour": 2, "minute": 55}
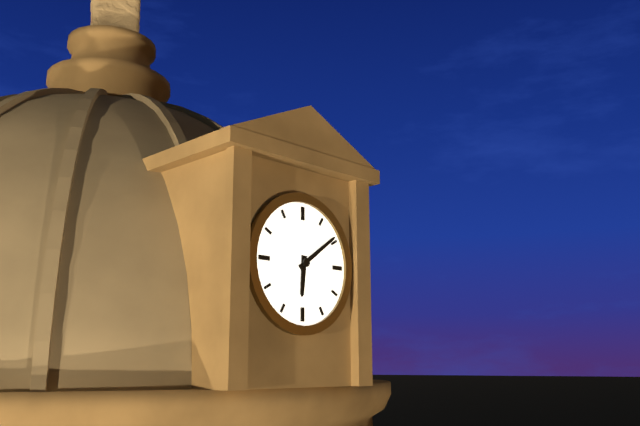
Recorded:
{"hour": 6, "minute": 9}
